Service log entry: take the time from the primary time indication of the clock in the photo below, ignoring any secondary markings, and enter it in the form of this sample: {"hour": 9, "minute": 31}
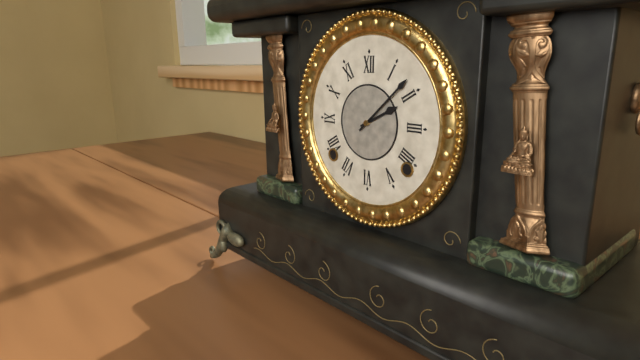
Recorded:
{"hour": 2, "minute": 8}
